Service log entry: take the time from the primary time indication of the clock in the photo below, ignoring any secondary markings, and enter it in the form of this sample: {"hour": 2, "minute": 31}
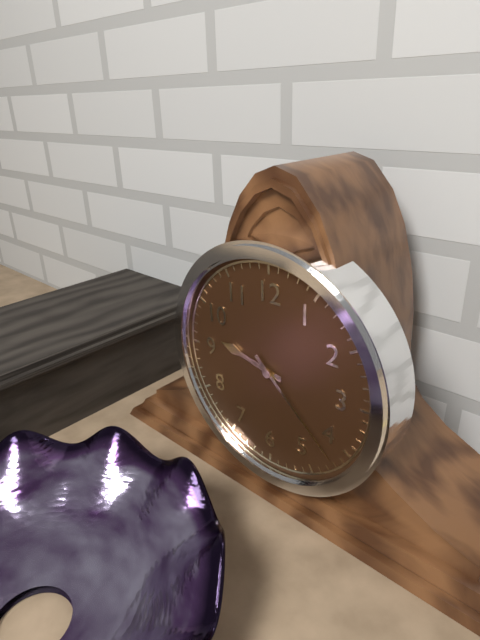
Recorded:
{"hour": 9, "minute": 22}
